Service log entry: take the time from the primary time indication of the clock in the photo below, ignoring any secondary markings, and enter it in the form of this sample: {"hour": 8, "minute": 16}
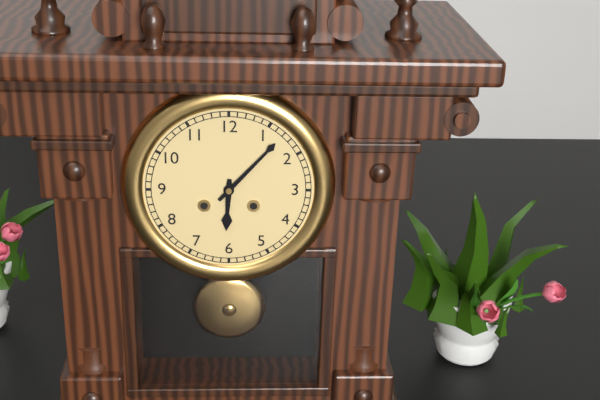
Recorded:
{"hour": 6, "minute": 7}
